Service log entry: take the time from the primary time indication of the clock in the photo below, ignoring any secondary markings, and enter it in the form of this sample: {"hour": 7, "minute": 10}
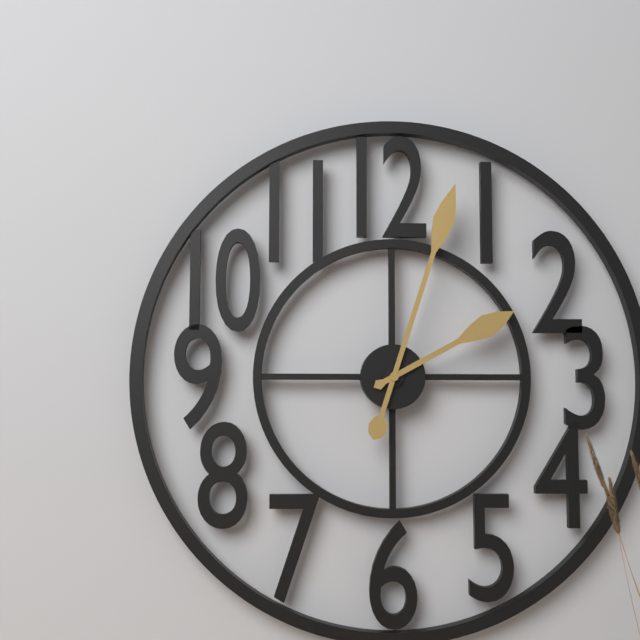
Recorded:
{"hour": 2, "minute": 3}
